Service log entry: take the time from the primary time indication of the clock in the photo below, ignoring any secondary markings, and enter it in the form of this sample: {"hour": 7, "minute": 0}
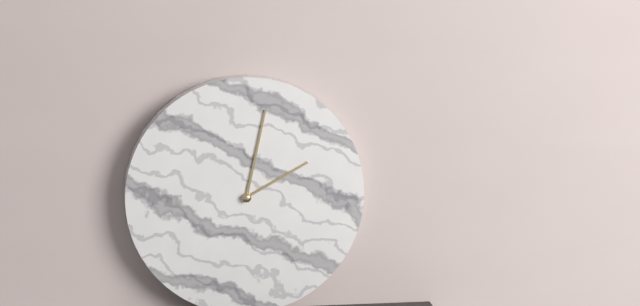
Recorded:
{"hour": 2, "minute": 2}
